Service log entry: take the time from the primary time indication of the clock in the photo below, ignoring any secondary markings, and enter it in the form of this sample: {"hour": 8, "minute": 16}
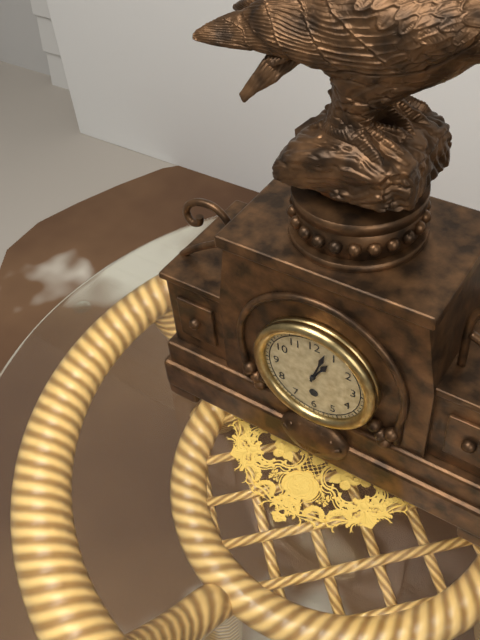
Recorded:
{"hour": 1, "minute": 3}
